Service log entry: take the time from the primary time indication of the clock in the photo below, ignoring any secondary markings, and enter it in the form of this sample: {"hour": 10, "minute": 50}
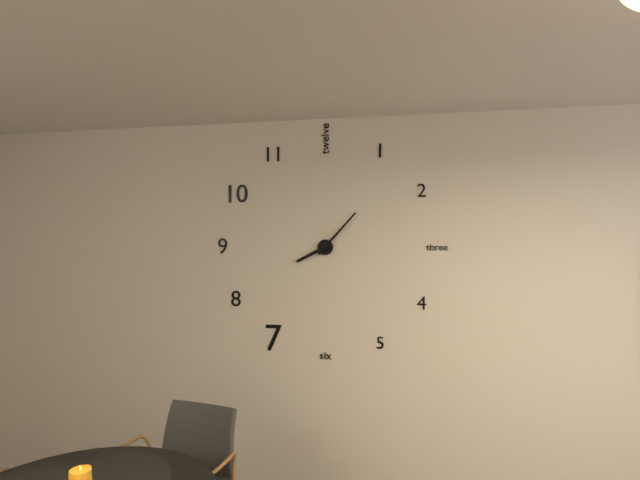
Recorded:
{"hour": 8, "minute": 7}
